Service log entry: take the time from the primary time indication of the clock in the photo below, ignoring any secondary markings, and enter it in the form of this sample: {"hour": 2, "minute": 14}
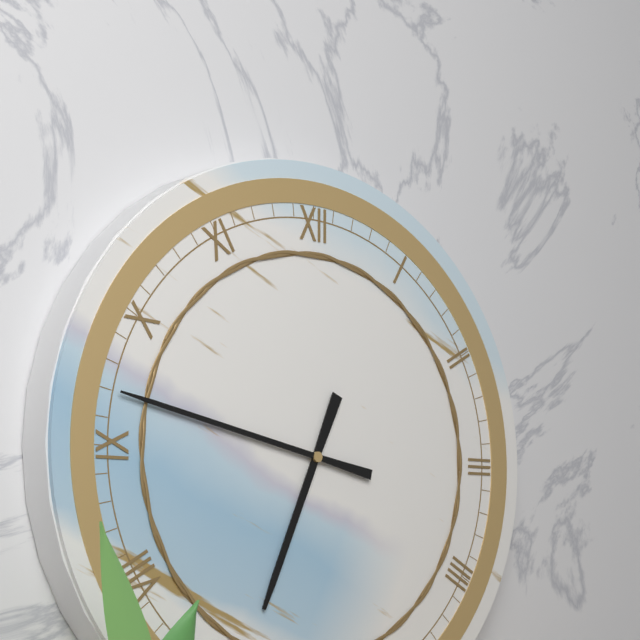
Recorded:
{"hour": 6, "minute": 47}
